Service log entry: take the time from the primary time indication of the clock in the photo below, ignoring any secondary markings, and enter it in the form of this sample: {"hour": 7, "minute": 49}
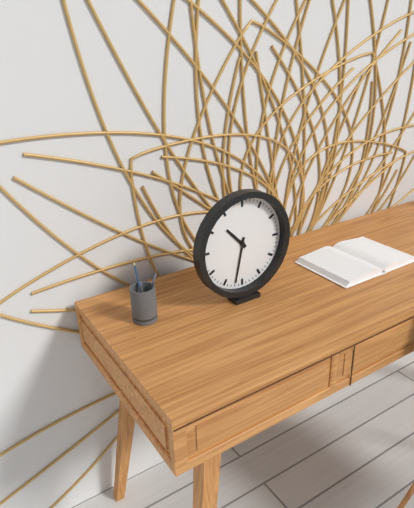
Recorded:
{"hour": 10, "minute": 32}
